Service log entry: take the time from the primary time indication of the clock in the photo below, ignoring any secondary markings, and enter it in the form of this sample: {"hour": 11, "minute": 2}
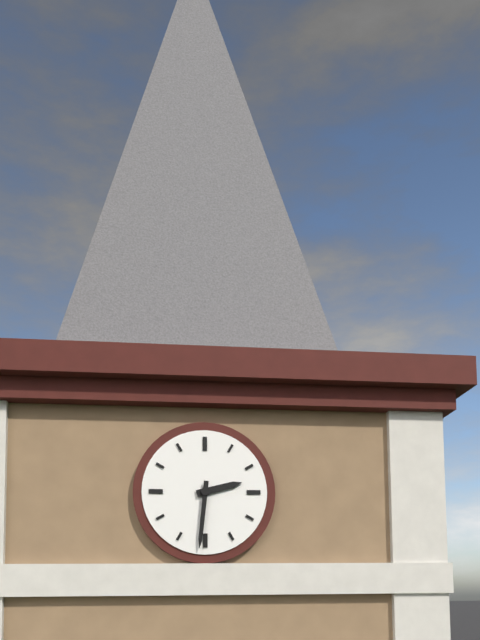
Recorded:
{"hour": 2, "minute": 31}
